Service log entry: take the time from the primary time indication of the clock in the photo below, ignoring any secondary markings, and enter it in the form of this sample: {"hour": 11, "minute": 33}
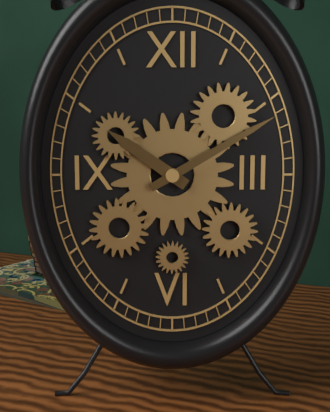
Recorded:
{"hour": 10, "minute": 10}
